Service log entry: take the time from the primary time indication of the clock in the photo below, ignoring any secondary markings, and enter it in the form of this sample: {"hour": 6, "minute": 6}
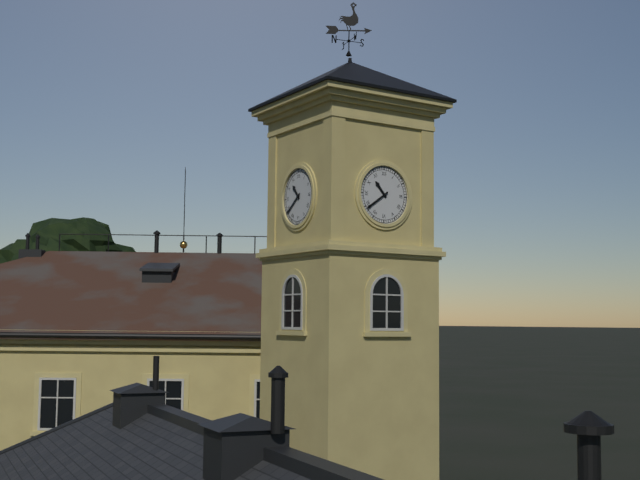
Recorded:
{"hour": 10, "minute": 39}
